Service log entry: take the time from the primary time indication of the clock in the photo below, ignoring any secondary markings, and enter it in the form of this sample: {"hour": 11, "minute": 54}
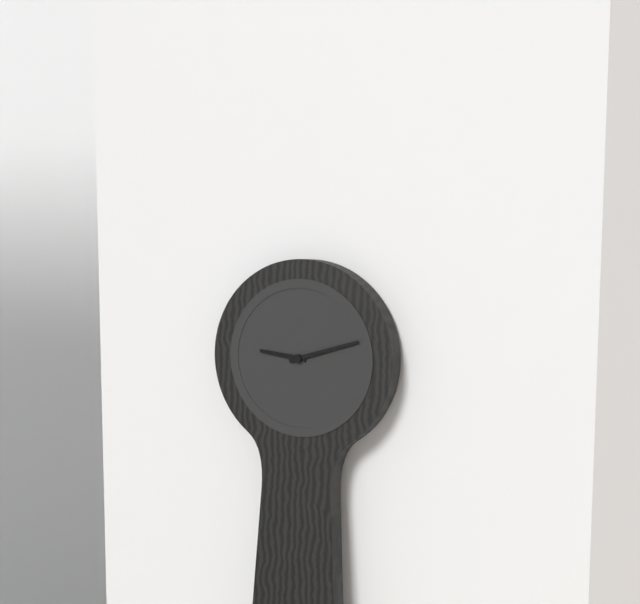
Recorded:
{"hour": 9, "minute": 12}
